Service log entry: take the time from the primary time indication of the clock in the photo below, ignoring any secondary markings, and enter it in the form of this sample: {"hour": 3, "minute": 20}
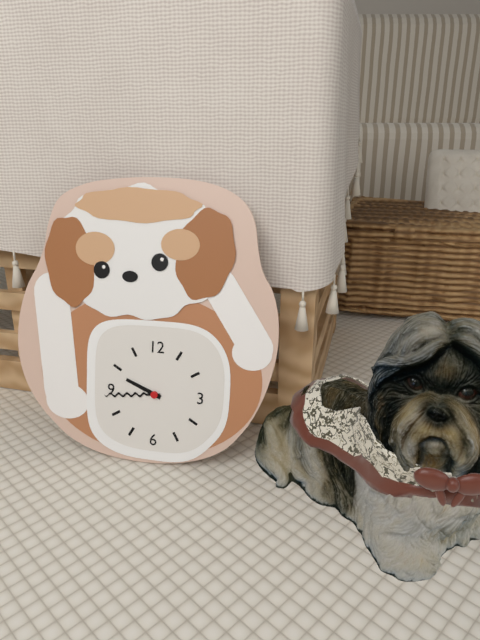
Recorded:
{"hour": 9, "minute": 44}
